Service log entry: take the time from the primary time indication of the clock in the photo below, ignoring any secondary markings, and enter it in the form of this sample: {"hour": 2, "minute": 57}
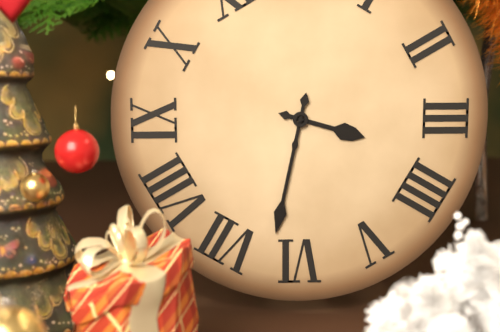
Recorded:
{"hour": 3, "minute": 32}
